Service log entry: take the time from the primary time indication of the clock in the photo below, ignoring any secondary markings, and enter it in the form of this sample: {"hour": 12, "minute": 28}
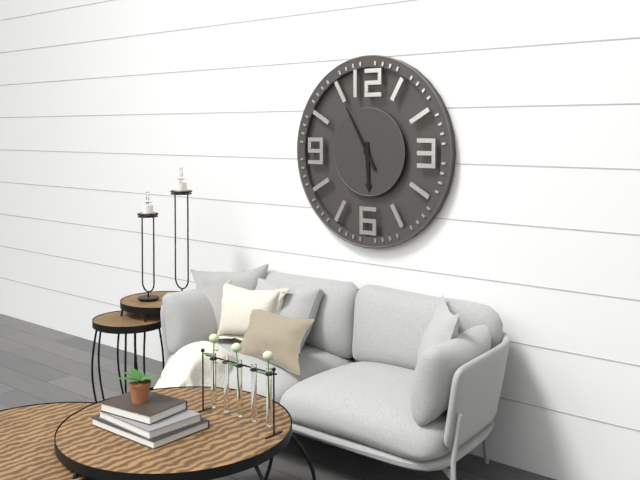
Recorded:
{"hour": 5, "minute": 55}
